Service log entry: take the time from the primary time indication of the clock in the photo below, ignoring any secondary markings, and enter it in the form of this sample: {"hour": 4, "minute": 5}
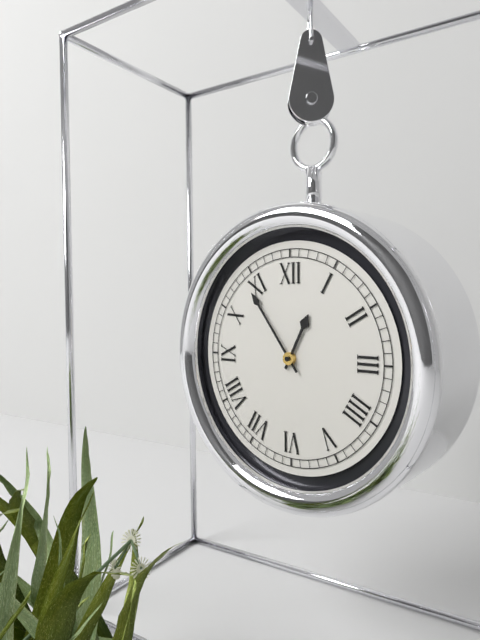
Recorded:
{"hour": 12, "minute": 54}
